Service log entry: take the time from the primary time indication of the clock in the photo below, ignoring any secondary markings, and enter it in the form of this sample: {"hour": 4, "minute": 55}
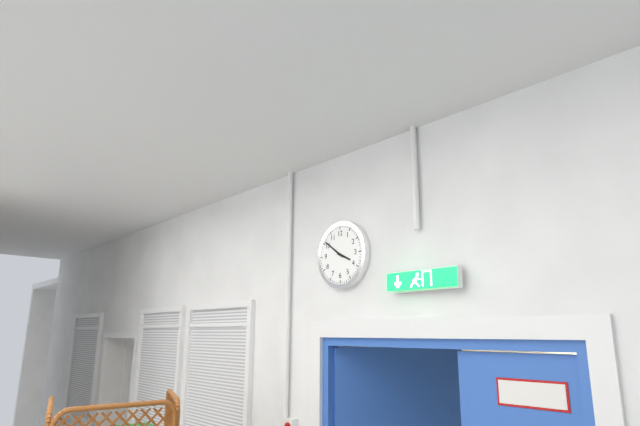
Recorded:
{"hour": 3, "minute": 51}
